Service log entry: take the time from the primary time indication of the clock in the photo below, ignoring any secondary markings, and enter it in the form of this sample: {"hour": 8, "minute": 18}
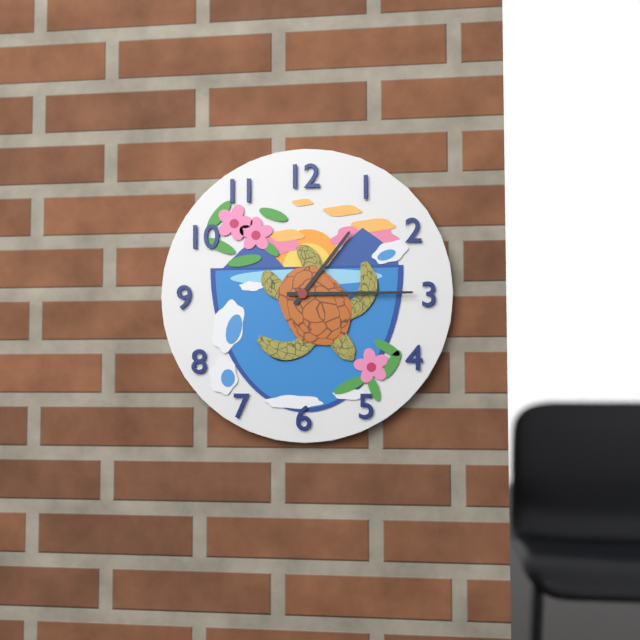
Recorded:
{"hour": 1, "minute": 15}
